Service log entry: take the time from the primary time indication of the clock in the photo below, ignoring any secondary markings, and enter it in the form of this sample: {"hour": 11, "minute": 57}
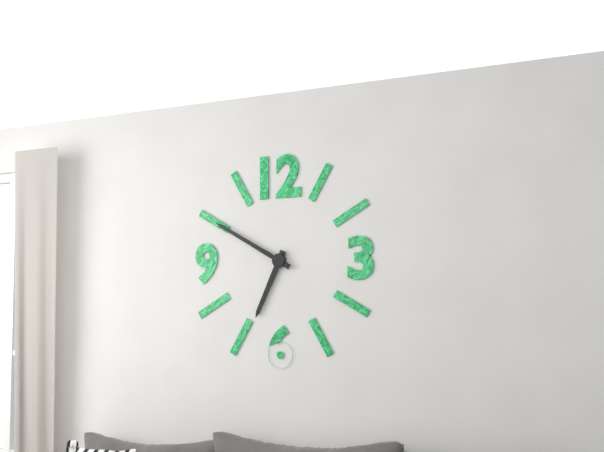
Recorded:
{"hour": 6, "minute": 50}
